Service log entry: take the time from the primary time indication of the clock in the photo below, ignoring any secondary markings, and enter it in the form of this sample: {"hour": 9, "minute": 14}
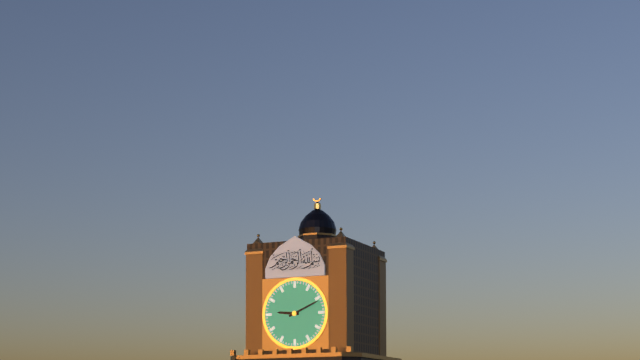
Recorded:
{"hour": 9, "minute": 11}
